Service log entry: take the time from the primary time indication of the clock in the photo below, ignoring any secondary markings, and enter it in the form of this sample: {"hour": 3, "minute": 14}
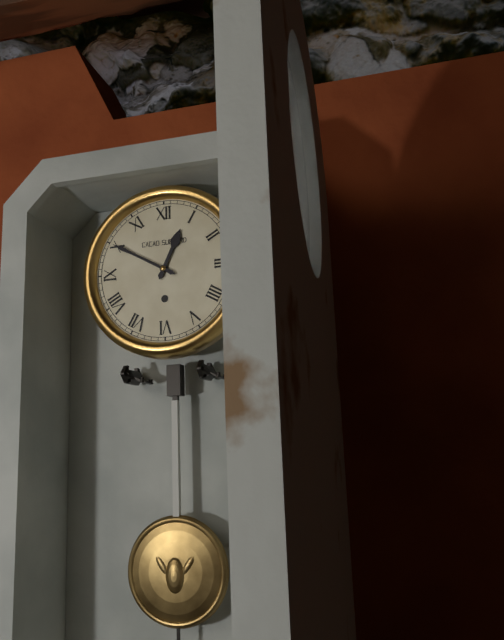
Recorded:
{"hour": 12, "minute": 50}
